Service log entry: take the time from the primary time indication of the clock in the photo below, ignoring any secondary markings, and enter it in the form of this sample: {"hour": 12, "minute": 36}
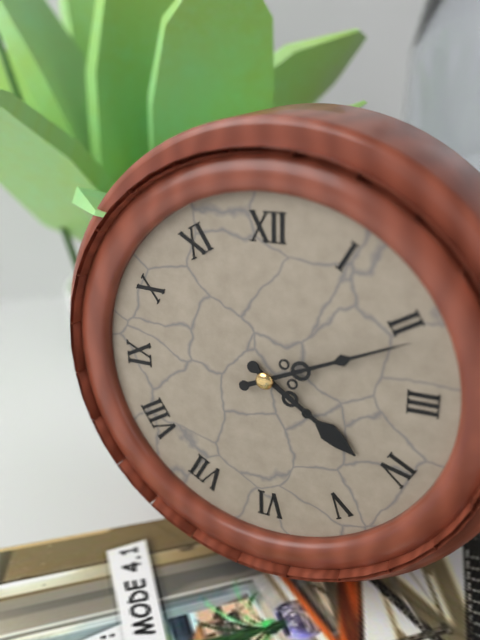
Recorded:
{"hour": 4, "minute": 11}
